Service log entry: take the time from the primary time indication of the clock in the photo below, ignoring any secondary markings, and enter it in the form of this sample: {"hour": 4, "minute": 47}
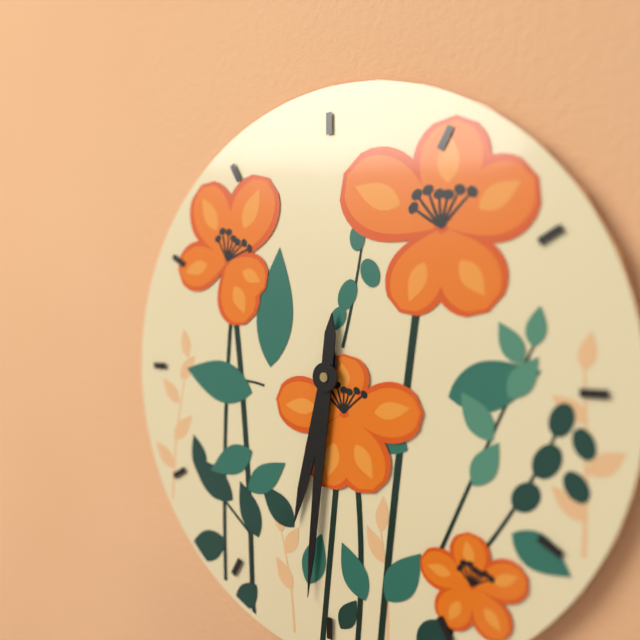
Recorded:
{"hour": 6, "minute": 31}
